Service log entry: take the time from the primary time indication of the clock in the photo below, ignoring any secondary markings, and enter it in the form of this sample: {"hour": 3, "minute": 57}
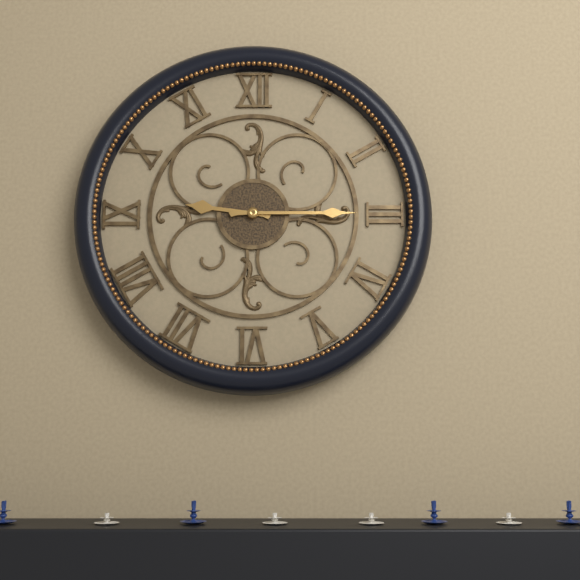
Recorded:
{"hour": 9, "minute": 15}
